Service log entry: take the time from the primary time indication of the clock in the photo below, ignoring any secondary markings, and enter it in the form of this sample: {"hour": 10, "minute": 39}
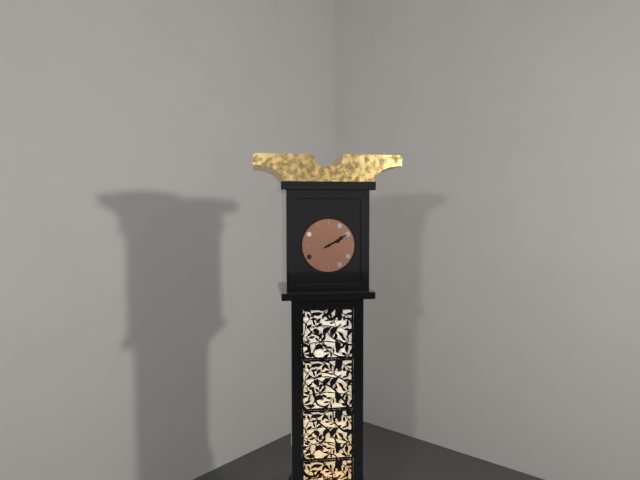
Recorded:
{"hour": 2, "minute": 10}
